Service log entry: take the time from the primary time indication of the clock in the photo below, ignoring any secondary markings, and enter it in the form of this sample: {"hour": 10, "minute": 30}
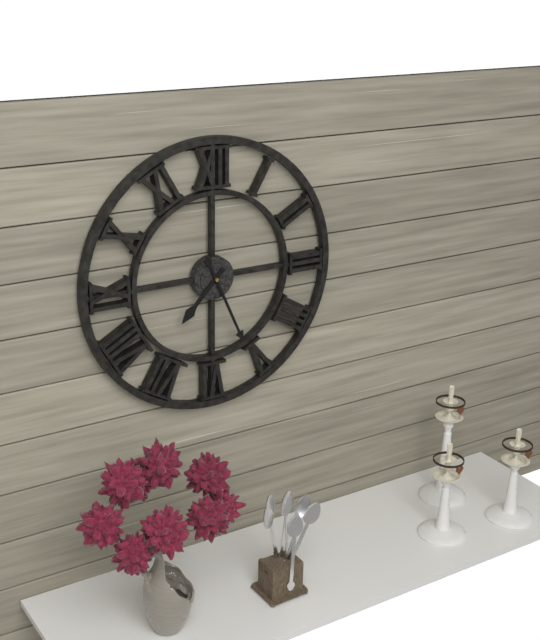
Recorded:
{"hour": 7, "minute": 26}
